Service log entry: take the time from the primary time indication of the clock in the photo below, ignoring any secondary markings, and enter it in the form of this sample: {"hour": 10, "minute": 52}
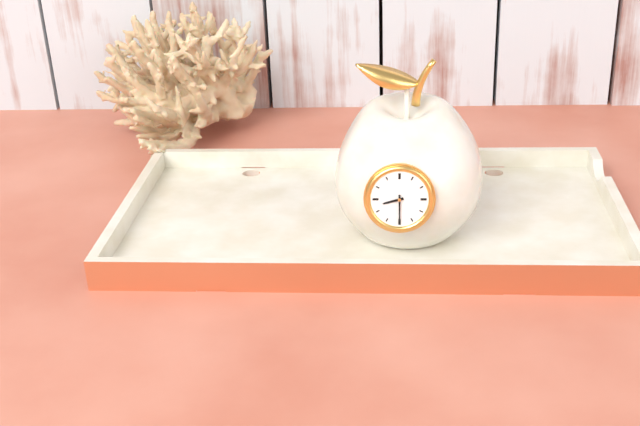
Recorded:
{"hour": 8, "minute": 30}
